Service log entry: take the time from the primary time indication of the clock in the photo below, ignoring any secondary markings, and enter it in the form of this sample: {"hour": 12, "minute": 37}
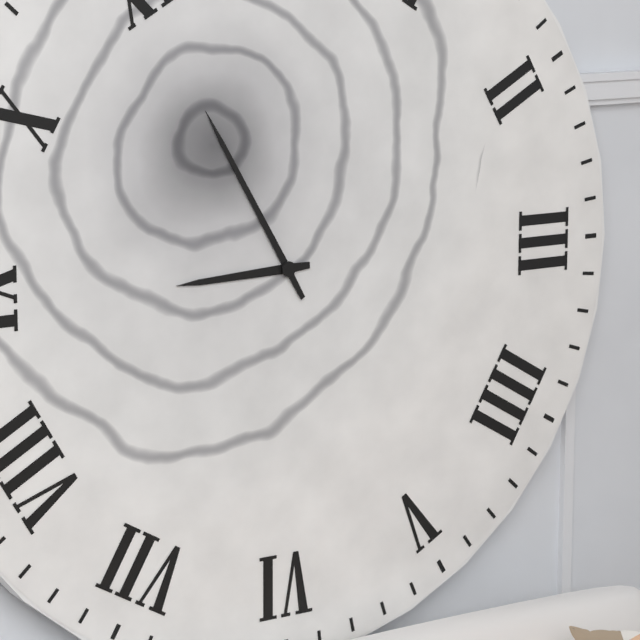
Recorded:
{"hour": 8, "minute": 55}
